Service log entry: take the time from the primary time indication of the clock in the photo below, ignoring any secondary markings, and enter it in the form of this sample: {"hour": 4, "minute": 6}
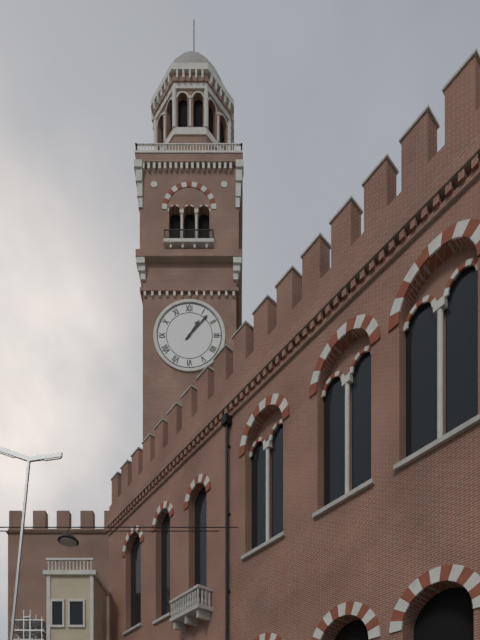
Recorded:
{"hour": 1, "minute": 7}
